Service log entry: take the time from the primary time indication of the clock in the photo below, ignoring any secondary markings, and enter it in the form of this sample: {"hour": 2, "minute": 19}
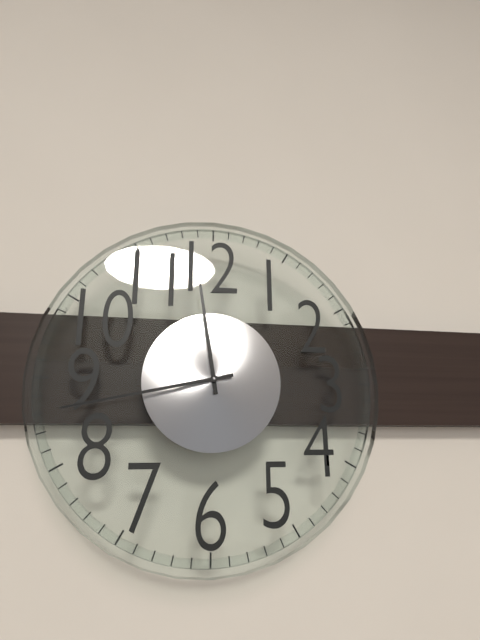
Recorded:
{"hour": 11, "minute": 43}
